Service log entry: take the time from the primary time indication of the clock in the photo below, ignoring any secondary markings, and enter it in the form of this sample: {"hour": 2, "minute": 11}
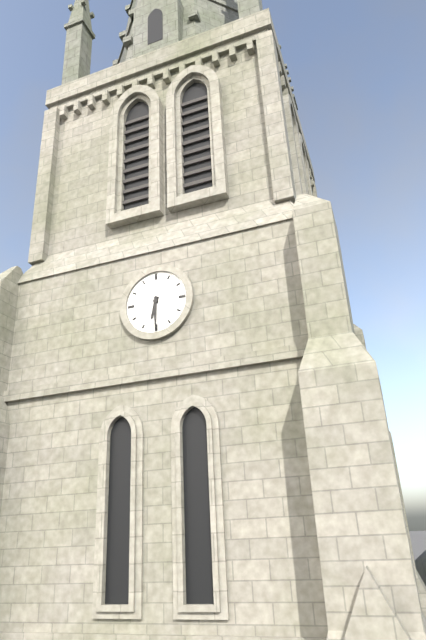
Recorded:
{"hour": 6, "minute": 30}
